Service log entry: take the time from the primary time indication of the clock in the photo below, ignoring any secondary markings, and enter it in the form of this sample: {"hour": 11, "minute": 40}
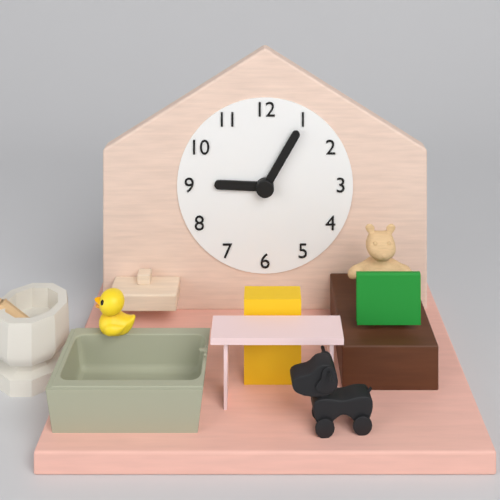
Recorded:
{"hour": 9, "minute": 5}
